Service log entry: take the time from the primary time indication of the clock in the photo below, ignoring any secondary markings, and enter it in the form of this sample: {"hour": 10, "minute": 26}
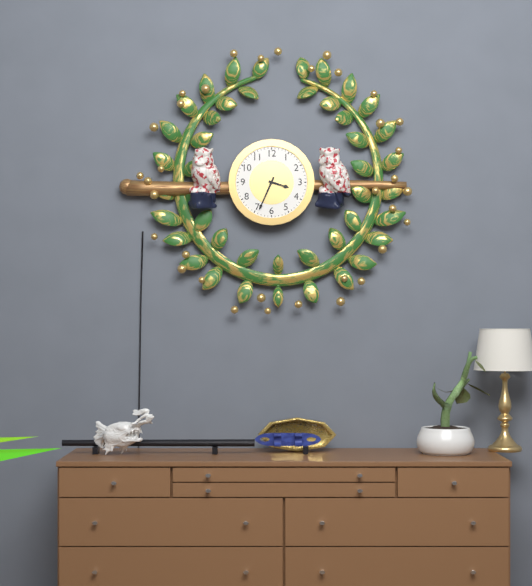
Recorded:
{"hour": 3, "minute": 34}
